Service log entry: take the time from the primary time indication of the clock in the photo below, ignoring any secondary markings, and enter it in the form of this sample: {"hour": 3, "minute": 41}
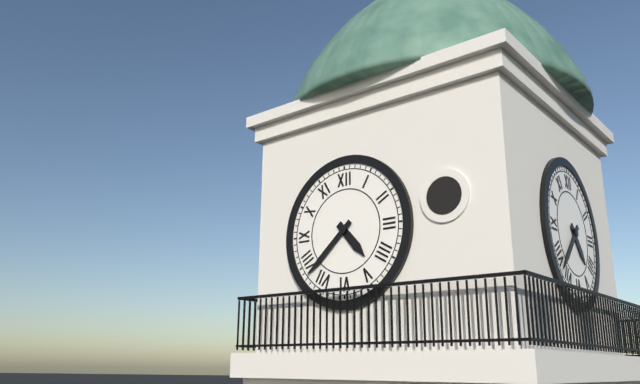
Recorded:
{"hour": 4, "minute": 38}
